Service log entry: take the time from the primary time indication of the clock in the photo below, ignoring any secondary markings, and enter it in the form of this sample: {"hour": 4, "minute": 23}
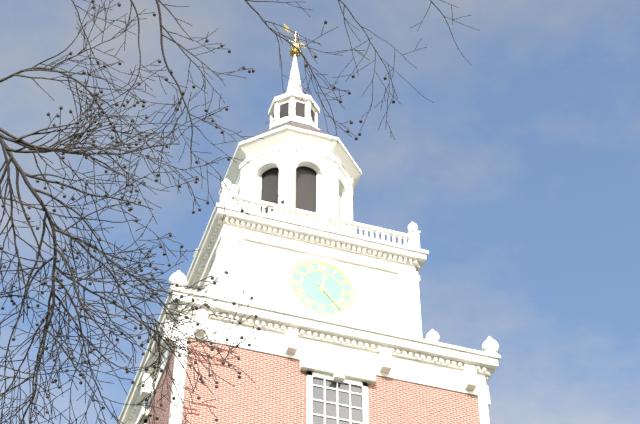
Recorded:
{"hour": 12, "minute": 23}
